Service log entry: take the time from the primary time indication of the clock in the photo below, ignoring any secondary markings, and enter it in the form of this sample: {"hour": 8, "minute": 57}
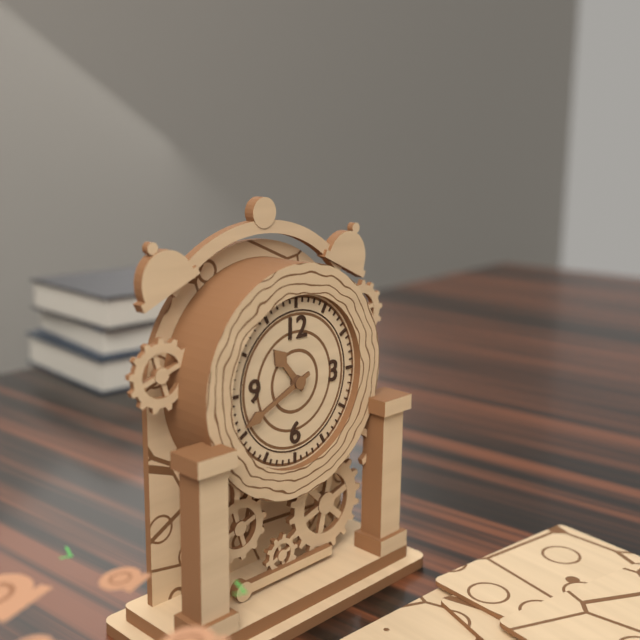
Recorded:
{"hour": 10, "minute": 41}
